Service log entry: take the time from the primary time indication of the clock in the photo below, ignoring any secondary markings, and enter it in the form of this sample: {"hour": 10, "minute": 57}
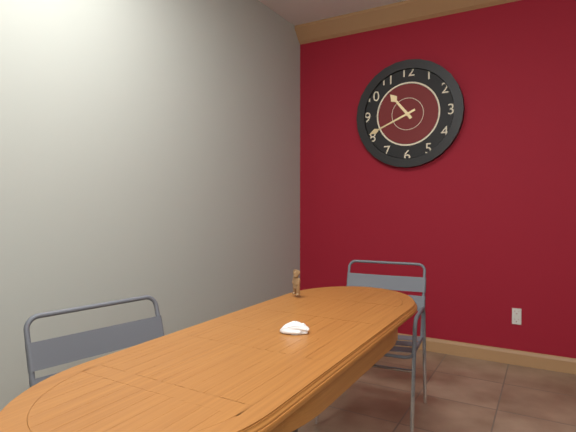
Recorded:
{"hour": 10, "minute": 41}
